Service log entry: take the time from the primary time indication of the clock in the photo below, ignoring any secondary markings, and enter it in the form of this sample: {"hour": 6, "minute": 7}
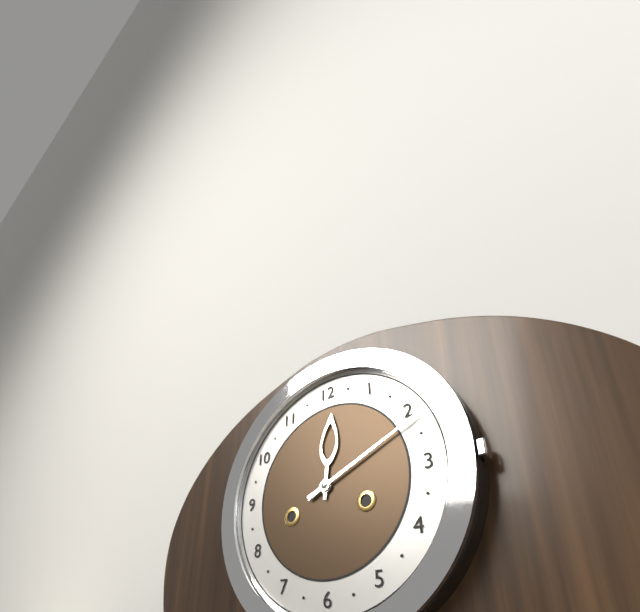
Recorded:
{"hour": 12, "minute": 11}
